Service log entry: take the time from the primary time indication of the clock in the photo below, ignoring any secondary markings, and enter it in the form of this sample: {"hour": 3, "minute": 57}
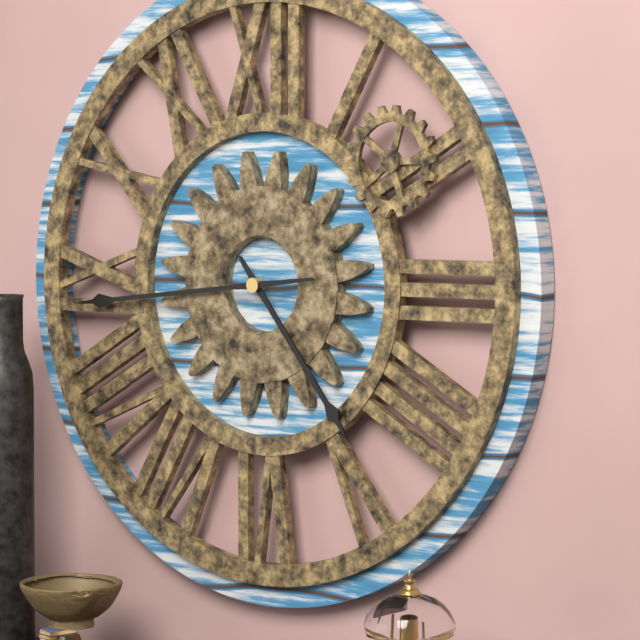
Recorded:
{"hour": 4, "minute": 44}
